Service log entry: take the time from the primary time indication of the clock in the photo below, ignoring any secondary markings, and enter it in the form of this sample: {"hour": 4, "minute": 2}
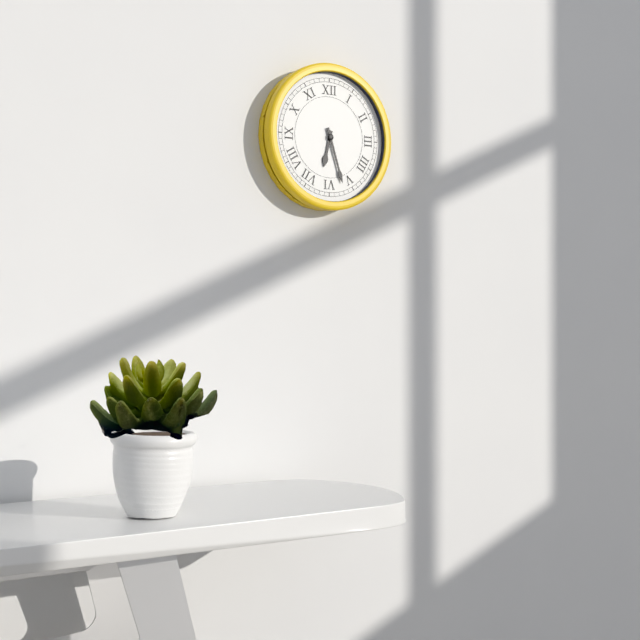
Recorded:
{"hour": 6, "minute": 27}
